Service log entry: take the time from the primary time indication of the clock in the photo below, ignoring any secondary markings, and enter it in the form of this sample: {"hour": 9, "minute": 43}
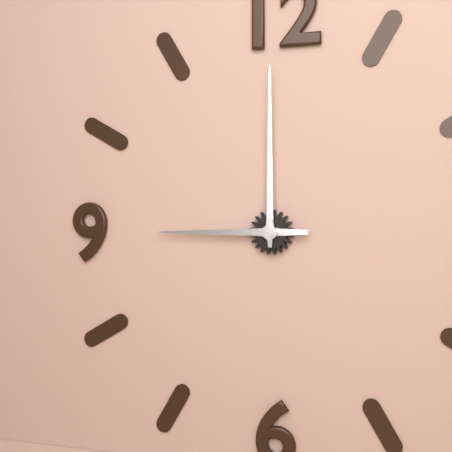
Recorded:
{"hour": 9, "minute": 0}
